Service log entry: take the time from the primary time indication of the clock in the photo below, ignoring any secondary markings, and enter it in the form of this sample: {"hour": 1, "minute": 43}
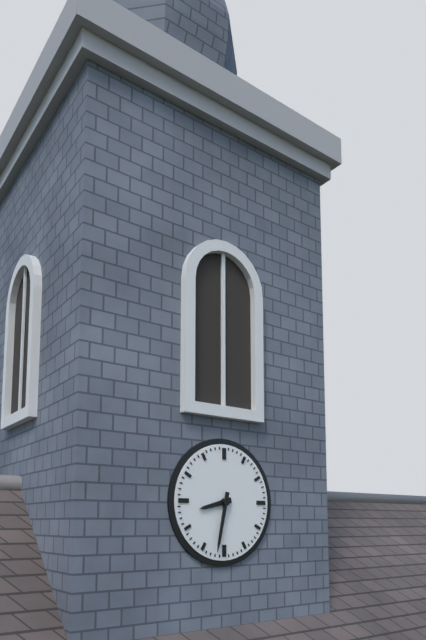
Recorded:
{"hour": 8, "minute": 32}
